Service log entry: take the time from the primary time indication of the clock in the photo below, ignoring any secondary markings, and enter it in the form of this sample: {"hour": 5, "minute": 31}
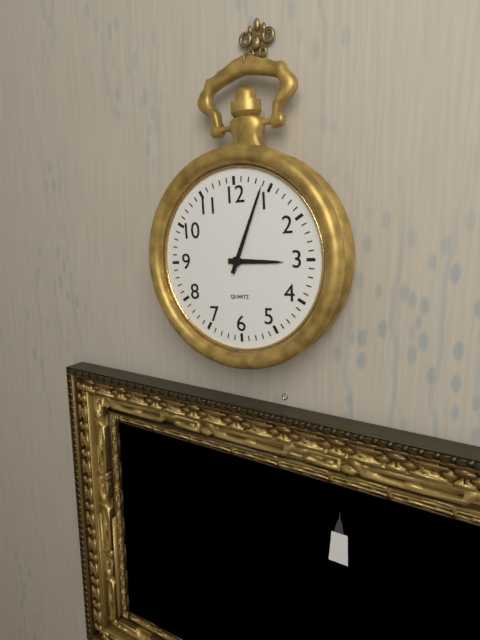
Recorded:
{"hour": 3, "minute": 4}
